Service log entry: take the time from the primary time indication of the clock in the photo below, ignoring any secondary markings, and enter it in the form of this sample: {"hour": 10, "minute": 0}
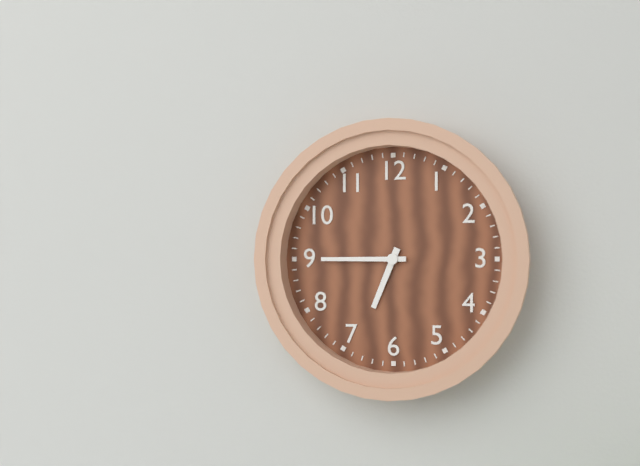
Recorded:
{"hour": 6, "minute": 45}
